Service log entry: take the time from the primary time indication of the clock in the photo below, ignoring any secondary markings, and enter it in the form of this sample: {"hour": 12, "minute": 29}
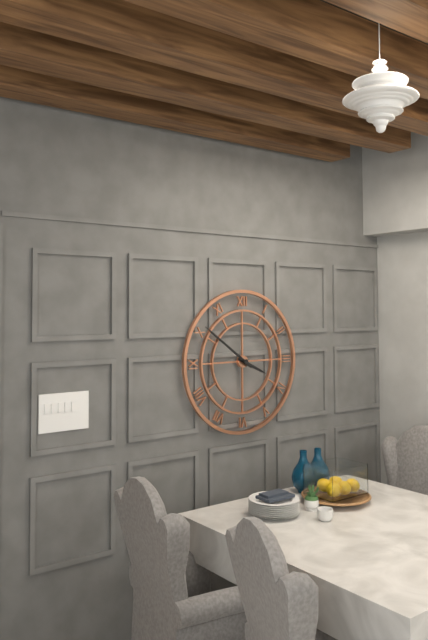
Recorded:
{"hour": 3, "minute": 51}
